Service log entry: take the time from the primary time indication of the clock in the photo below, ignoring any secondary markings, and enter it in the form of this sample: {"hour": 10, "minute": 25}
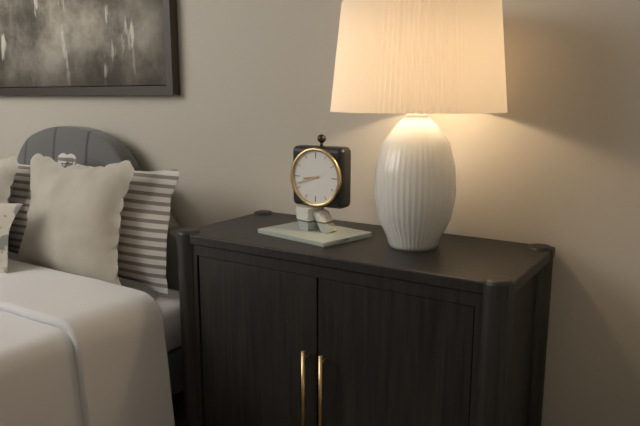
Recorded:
{"hour": 8, "minute": 42}
